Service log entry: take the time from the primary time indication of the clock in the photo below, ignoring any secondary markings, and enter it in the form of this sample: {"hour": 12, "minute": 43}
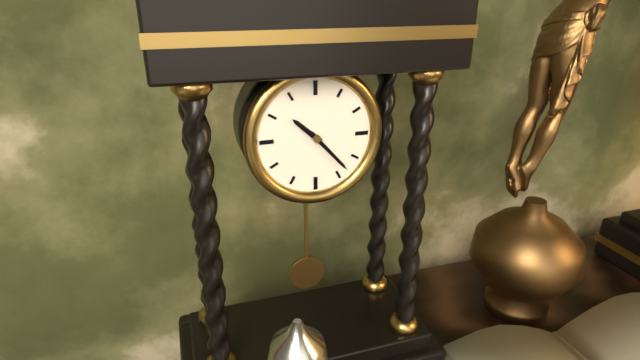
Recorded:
{"hour": 10, "minute": 23}
